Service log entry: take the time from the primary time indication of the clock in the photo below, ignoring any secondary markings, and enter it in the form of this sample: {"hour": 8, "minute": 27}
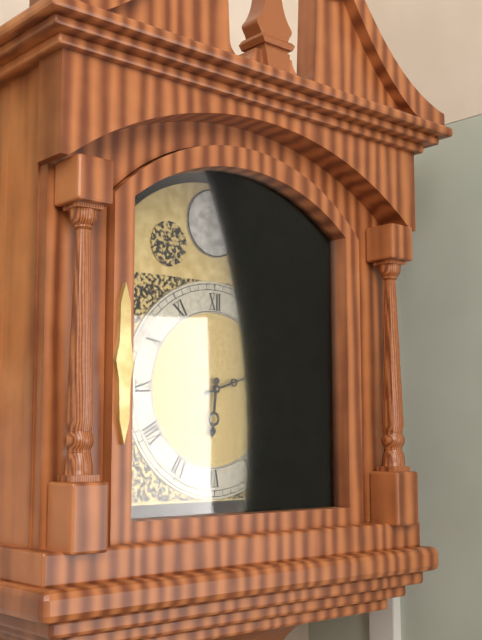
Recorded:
{"hour": 6, "minute": 12}
